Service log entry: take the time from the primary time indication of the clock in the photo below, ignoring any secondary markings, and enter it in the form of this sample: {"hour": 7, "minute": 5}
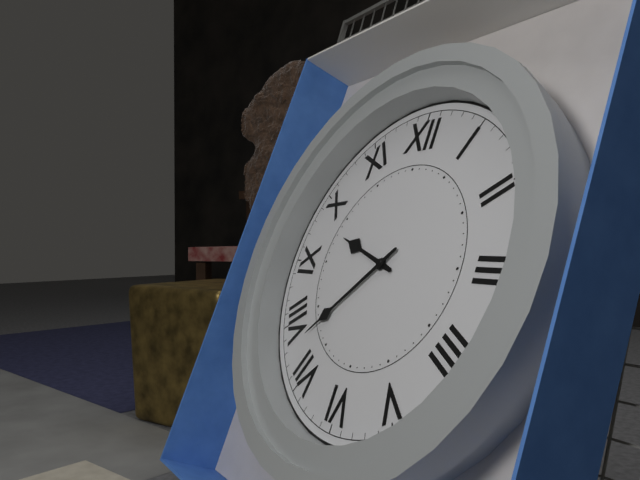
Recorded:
{"hour": 9, "minute": 38}
